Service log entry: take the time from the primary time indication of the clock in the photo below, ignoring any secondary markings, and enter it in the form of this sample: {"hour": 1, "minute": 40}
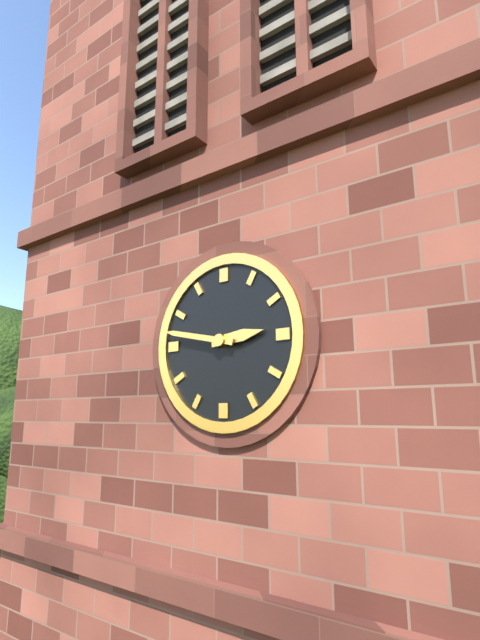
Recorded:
{"hour": 2, "minute": 47}
